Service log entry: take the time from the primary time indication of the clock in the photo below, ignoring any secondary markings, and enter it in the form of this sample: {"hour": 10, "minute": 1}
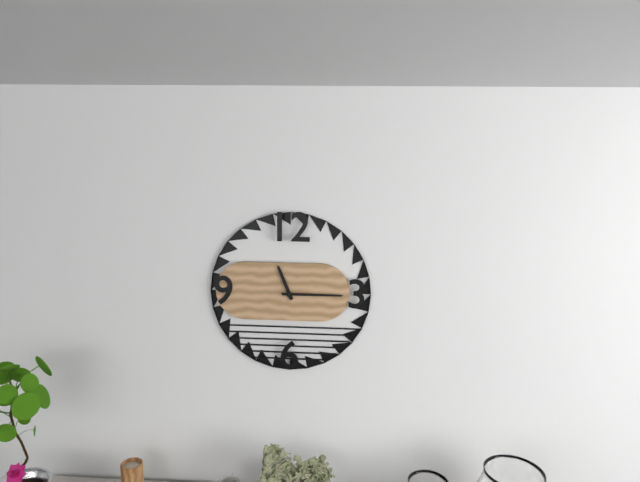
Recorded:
{"hour": 11, "minute": 15}
